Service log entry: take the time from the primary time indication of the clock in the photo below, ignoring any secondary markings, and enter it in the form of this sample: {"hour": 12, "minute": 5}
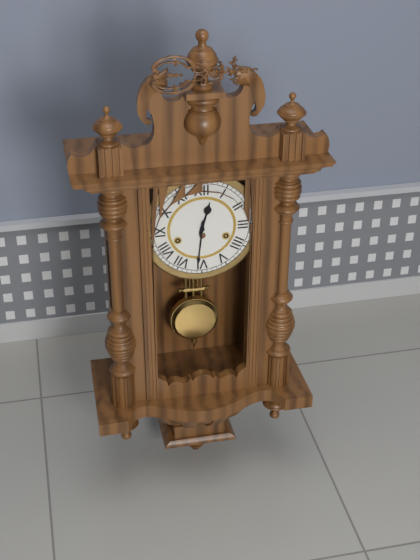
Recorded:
{"hour": 12, "minute": 31}
